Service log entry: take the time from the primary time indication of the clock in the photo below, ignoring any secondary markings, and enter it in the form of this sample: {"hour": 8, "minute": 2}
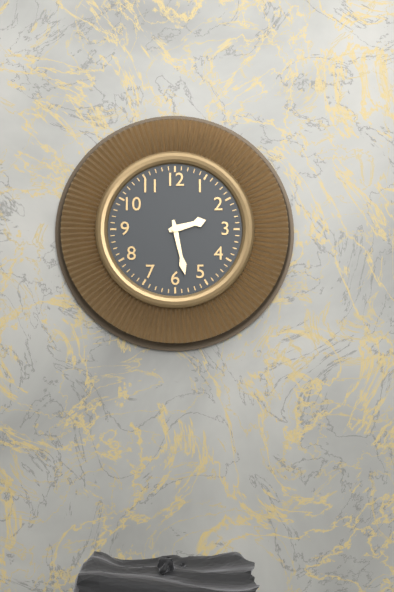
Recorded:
{"hour": 2, "minute": 28}
